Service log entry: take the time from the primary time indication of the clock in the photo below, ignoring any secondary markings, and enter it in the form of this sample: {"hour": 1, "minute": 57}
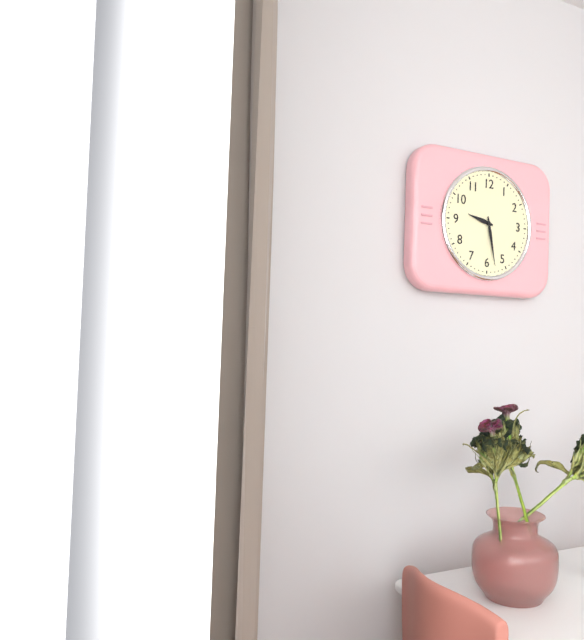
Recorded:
{"hour": 9, "minute": 28}
